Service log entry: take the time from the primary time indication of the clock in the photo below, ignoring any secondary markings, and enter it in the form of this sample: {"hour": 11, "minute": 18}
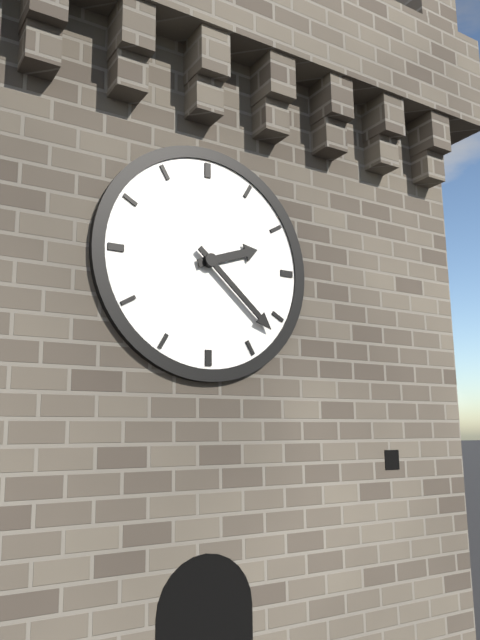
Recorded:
{"hour": 2, "minute": 22}
